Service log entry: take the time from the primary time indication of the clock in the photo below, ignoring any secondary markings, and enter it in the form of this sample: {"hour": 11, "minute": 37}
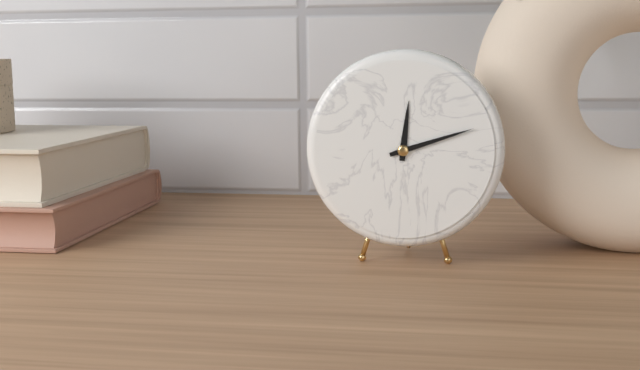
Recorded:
{"hour": 12, "minute": 12}
